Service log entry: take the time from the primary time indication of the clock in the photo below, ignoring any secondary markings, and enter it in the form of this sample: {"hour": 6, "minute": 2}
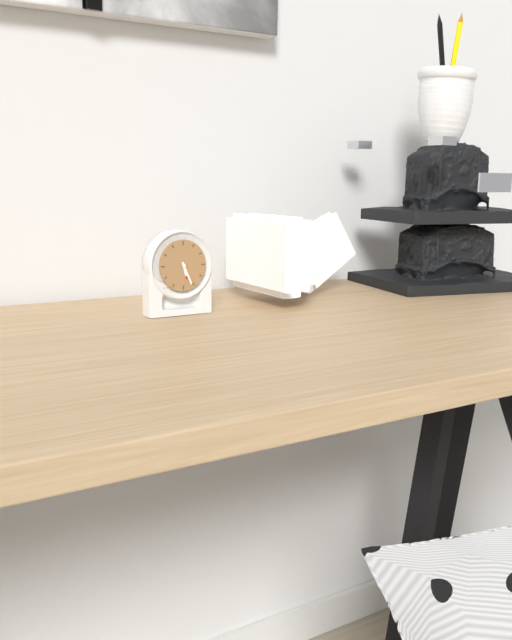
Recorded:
{"hour": 5, "minute": 26}
